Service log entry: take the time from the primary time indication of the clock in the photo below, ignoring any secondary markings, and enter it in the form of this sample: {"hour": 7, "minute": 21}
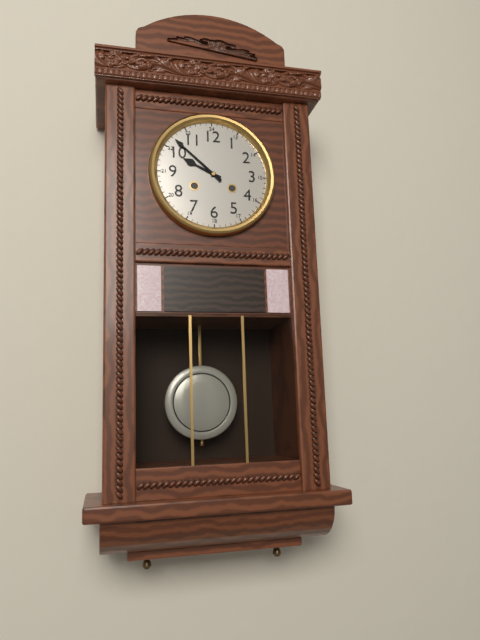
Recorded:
{"hour": 9, "minute": 52}
